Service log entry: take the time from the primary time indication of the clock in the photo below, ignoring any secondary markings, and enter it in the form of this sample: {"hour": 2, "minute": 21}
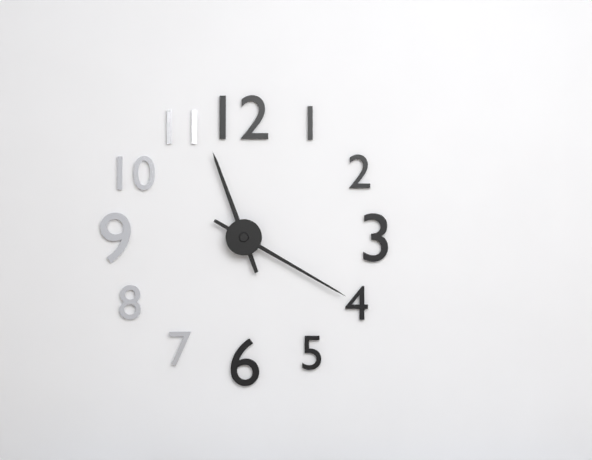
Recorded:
{"hour": 11, "minute": 20}
